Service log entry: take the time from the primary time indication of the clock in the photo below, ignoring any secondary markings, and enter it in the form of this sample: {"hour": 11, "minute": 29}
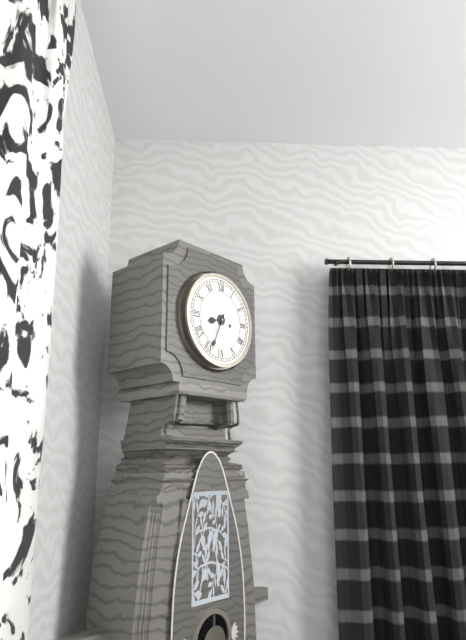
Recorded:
{"hour": 8, "minute": 34}
